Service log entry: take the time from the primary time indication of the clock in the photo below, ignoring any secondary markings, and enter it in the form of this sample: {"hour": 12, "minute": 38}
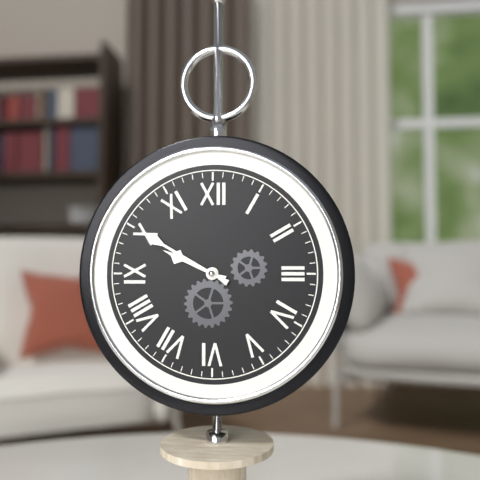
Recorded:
{"hour": 9, "minute": 50}
